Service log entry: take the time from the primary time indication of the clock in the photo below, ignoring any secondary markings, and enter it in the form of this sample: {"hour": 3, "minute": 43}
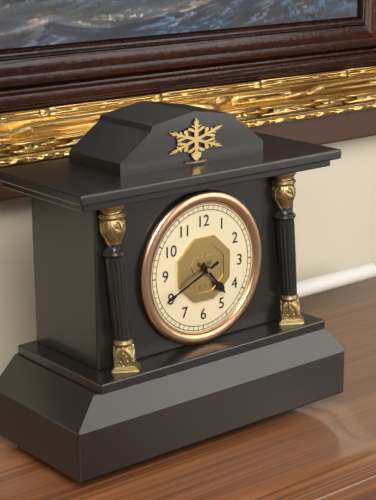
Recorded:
{"hour": 4, "minute": 41}
